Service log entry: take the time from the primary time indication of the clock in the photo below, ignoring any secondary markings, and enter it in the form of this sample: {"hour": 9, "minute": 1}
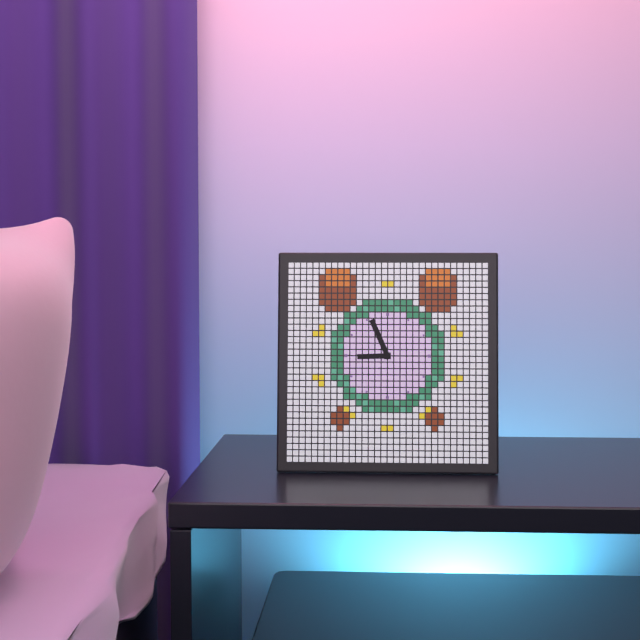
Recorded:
{"hour": 8, "minute": 56}
